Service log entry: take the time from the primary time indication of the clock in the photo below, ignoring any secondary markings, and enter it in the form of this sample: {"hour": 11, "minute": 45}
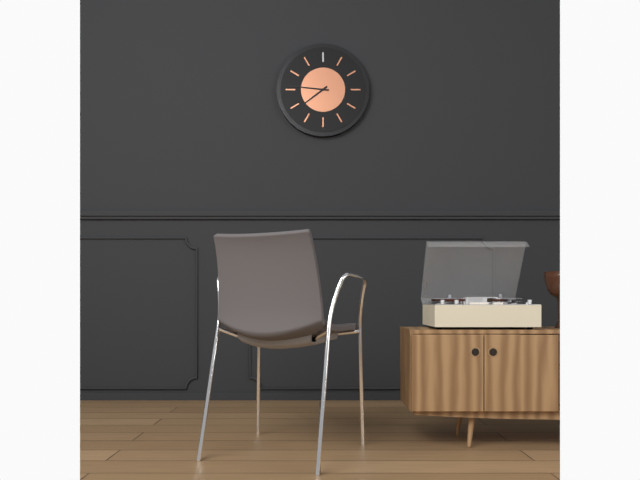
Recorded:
{"hour": 7, "minute": 46}
